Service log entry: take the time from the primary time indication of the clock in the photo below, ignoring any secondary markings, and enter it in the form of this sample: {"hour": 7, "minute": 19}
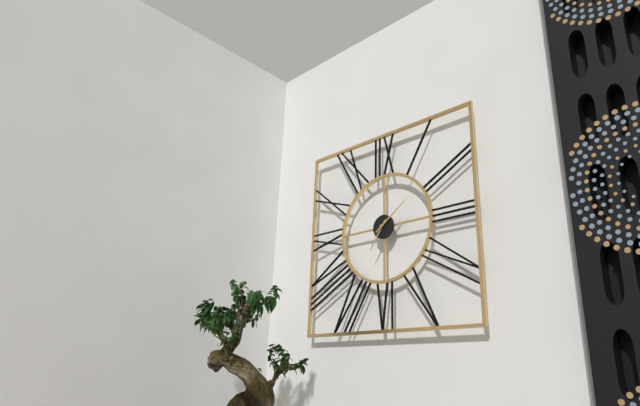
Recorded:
{"hour": 7, "minute": 9}
